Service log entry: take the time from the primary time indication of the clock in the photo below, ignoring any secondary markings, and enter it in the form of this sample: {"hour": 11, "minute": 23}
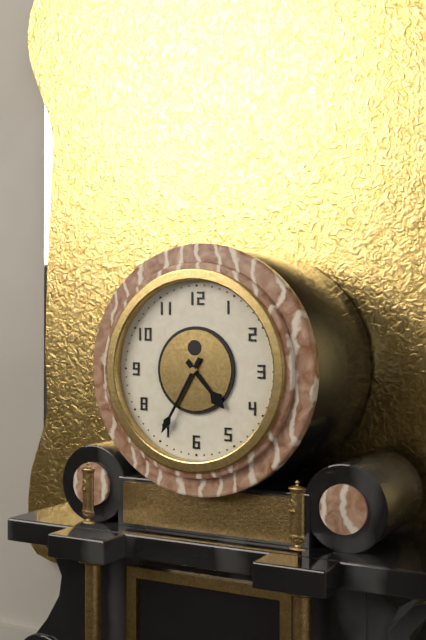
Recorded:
{"hour": 4, "minute": 35}
